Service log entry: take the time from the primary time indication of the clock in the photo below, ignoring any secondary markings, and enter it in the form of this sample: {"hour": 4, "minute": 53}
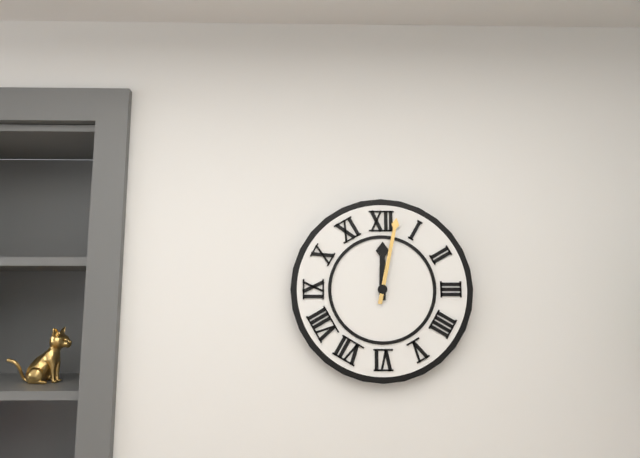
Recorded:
{"hour": 12, "minute": 2}
